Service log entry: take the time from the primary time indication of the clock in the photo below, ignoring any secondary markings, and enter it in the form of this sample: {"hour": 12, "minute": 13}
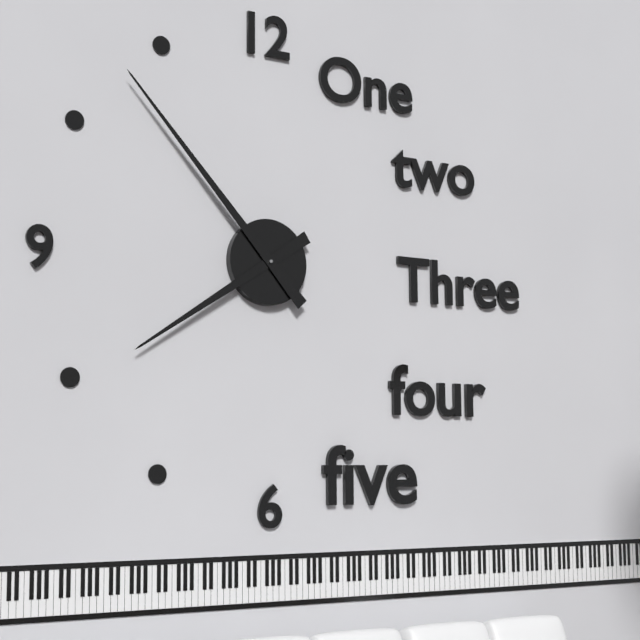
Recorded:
{"hour": 7, "minute": 53}
